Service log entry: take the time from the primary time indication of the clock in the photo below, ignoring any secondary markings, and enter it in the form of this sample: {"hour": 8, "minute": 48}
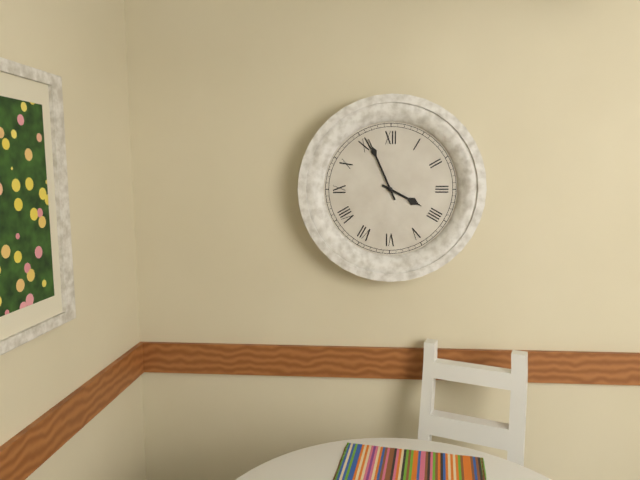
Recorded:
{"hour": 3, "minute": 56}
